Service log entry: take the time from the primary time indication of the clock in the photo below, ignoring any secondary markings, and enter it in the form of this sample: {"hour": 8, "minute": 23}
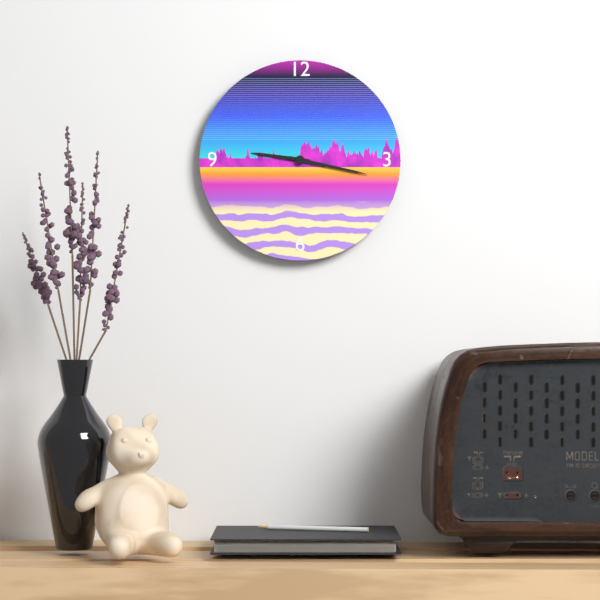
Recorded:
{"hour": 9, "minute": 17}
